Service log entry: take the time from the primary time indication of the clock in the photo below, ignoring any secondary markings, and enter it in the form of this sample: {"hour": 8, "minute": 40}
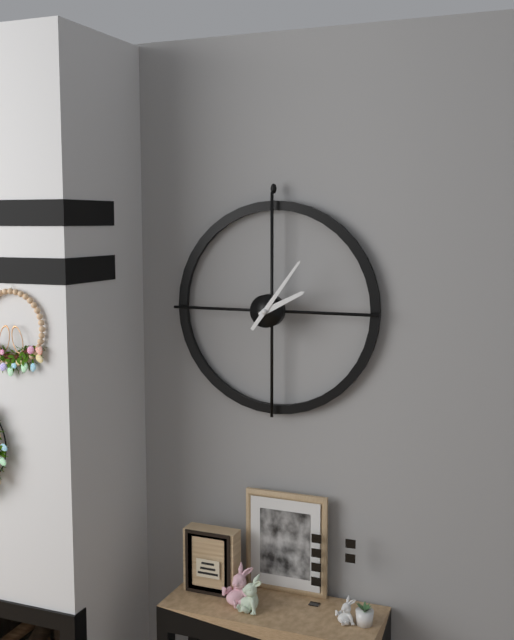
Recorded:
{"hour": 2, "minute": 6}
